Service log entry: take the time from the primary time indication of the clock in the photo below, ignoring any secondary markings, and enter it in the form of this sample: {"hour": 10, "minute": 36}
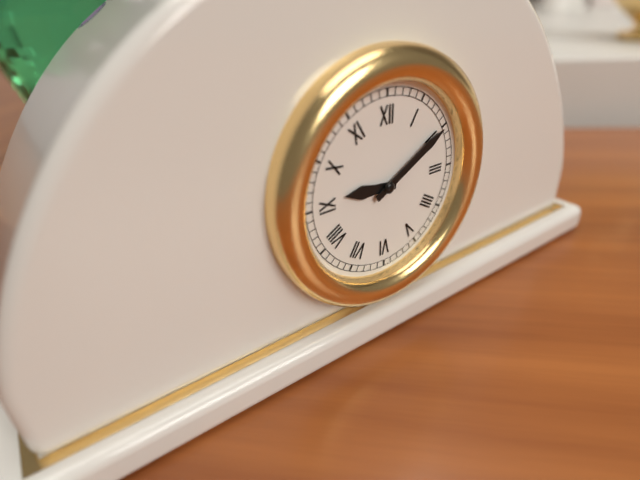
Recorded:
{"hour": 9, "minute": 10}
